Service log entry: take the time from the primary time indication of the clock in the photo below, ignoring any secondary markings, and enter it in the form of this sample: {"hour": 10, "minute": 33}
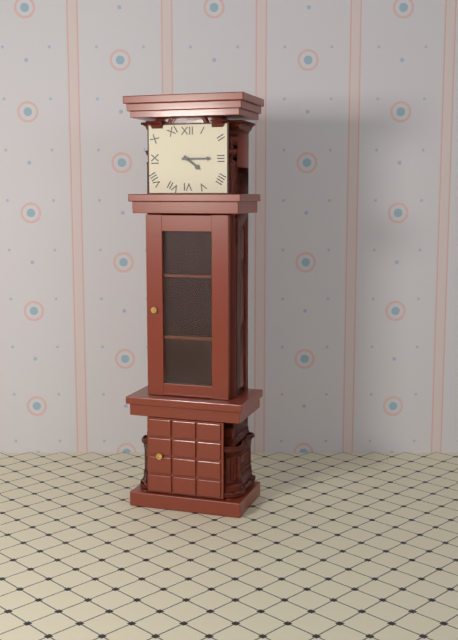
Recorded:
{"hour": 4, "minute": 15}
